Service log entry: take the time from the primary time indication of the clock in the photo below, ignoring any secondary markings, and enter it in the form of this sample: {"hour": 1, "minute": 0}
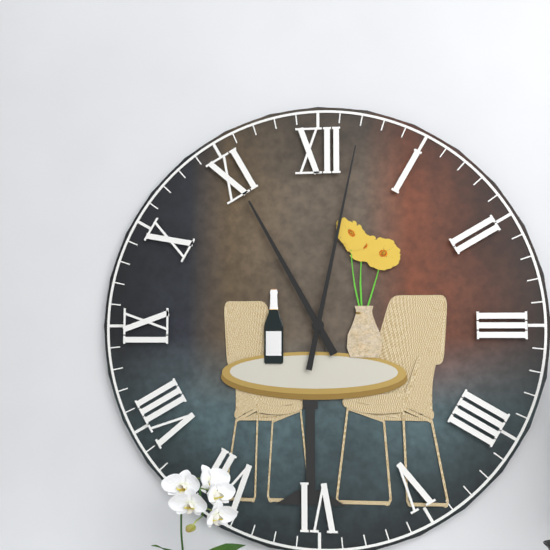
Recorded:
{"hour": 11, "minute": 2}
